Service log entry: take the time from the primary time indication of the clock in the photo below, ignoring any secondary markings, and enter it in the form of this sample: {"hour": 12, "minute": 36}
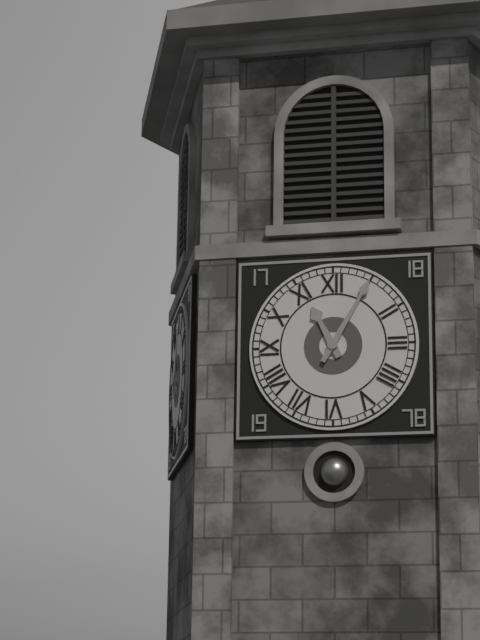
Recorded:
{"hour": 11, "minute": 5}
